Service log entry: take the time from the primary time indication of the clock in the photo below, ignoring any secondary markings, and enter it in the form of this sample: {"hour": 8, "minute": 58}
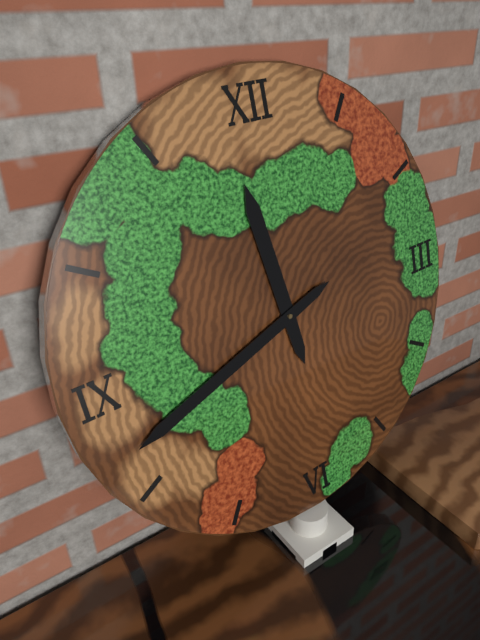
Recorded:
{"hour": 11, "minute": 42}
